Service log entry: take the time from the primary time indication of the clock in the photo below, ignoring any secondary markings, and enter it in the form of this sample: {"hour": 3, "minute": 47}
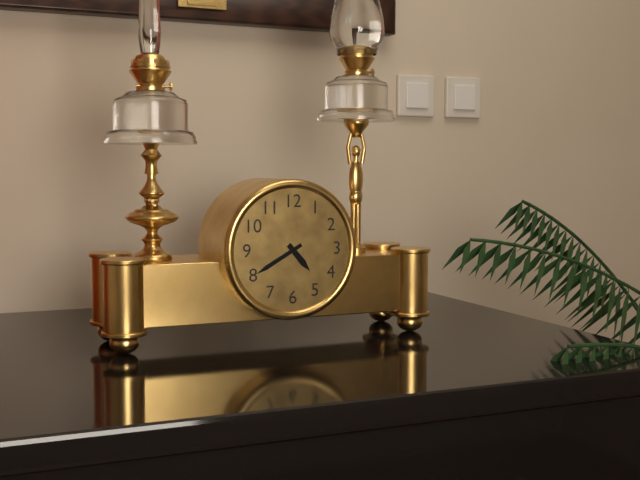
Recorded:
{"hour": 4, "minute": 40}
